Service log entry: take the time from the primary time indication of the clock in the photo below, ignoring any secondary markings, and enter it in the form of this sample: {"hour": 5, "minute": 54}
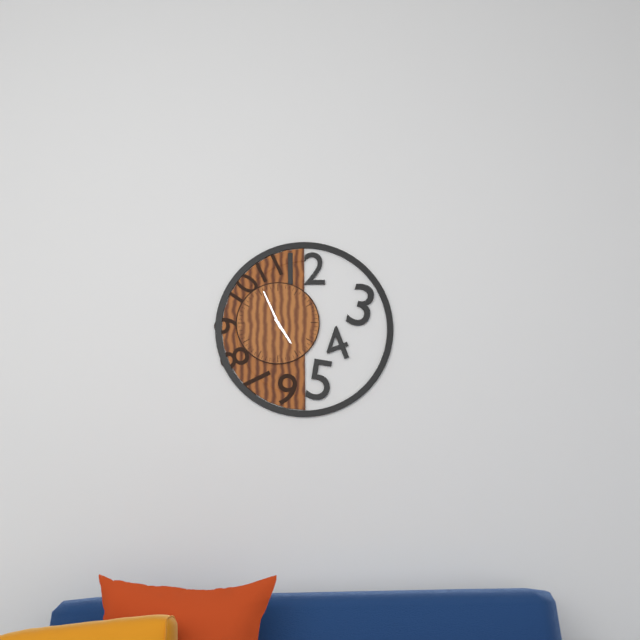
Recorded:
{"hour": 4, "minute": 56}
